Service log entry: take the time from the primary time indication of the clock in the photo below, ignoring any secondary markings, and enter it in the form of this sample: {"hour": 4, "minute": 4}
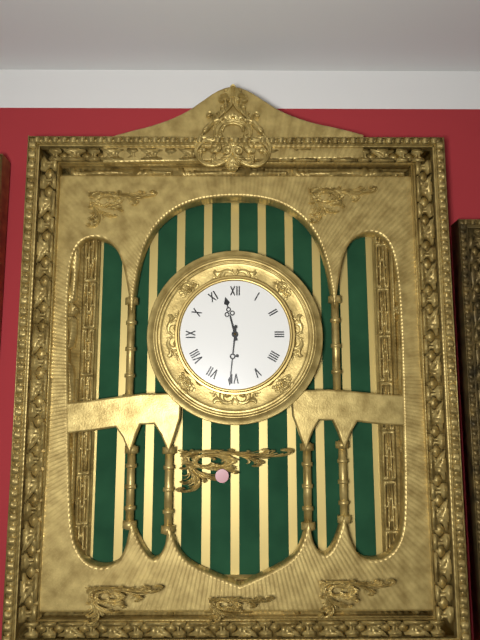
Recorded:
{"hour": 11, "minute": 31}
